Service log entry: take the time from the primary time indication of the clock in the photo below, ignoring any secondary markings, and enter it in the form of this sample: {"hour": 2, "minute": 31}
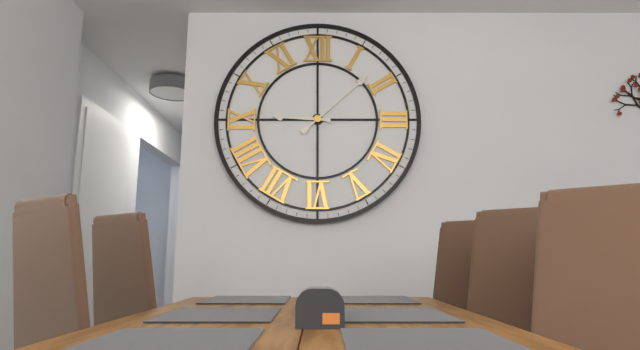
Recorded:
{"hour": 9, "minute": 8}
